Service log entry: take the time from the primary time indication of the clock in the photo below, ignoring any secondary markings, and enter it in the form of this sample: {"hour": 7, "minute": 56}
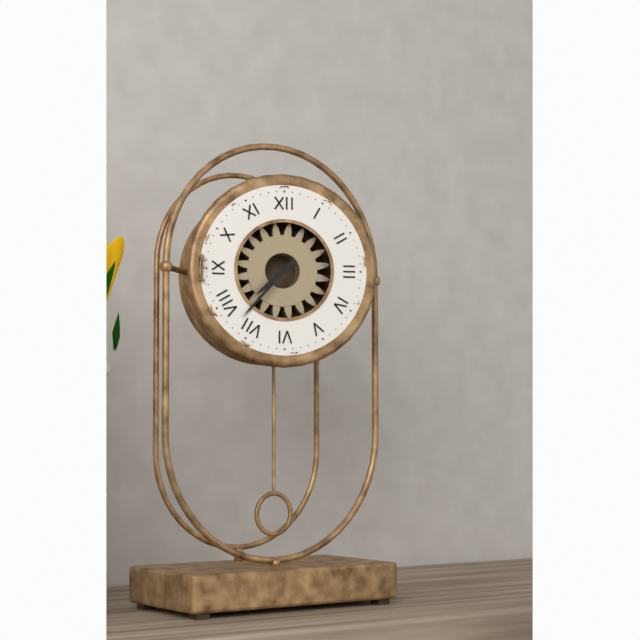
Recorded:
{"hour": 7, "minute": 37}
